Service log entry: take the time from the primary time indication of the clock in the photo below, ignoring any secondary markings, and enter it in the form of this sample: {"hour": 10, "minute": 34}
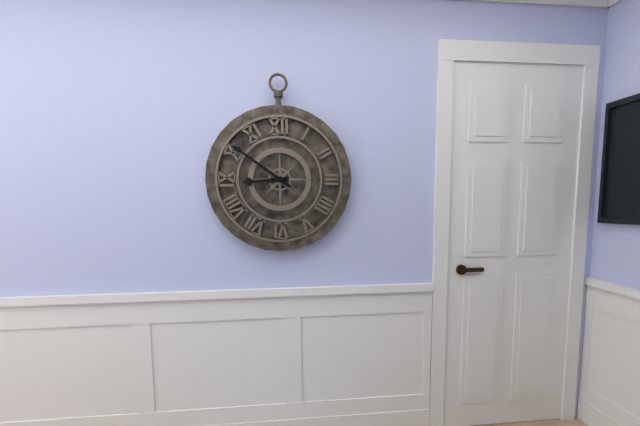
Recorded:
{"hour": 8, "minute": 51}
